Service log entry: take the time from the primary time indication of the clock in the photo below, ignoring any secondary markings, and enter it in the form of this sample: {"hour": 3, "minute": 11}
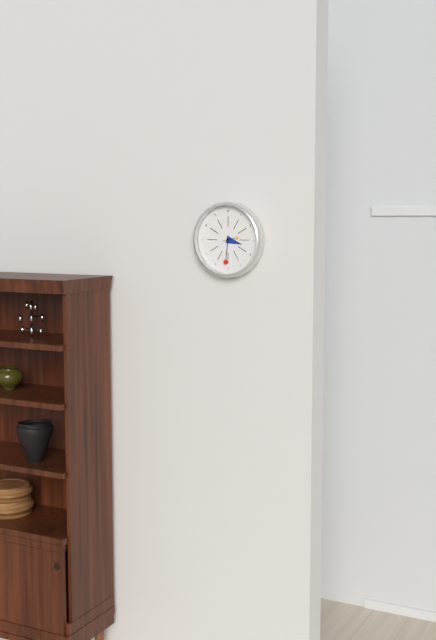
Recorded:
{"hour": 3, "minute": 31}
